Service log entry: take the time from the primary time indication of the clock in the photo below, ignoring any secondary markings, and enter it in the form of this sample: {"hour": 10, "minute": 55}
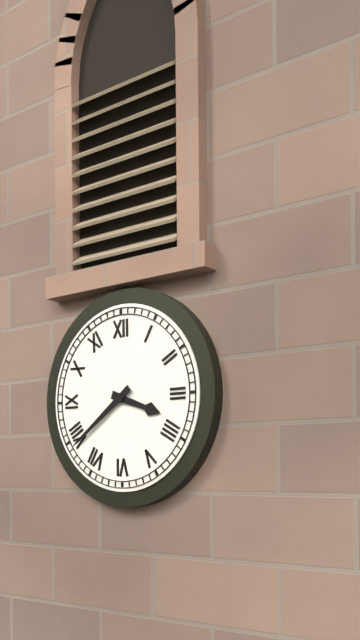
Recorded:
{"hour": 3, "minute": 39}
